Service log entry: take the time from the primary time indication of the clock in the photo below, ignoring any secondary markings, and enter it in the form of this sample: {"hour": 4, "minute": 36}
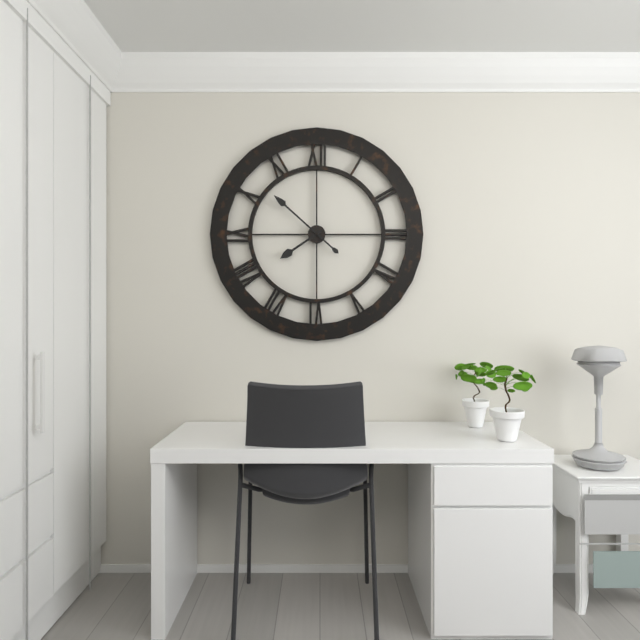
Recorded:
{"hour": 7, "minute": 52}
